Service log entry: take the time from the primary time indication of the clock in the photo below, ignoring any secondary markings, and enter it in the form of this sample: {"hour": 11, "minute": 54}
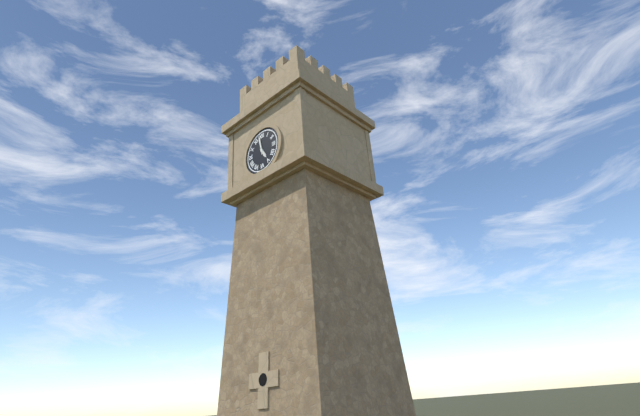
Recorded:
{"hour": 4, "minute": 58}
